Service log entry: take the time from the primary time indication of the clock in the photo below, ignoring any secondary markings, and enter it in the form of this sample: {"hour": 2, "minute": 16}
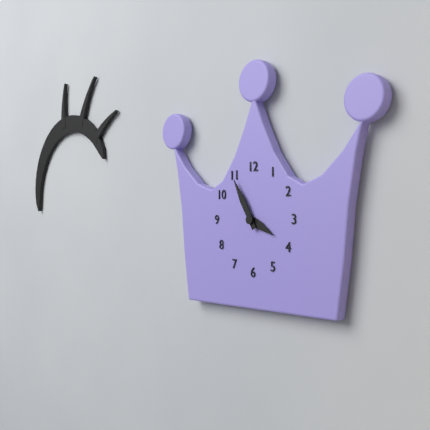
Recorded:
{"hour": 3, "minute": 55}
